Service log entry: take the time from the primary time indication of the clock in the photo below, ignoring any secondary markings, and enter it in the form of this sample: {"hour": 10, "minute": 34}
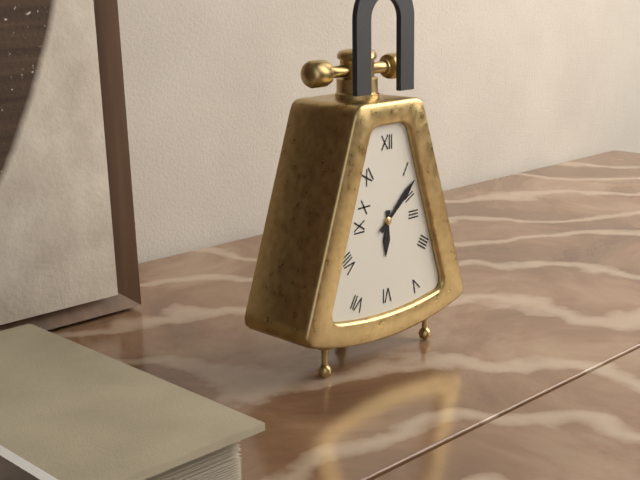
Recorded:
{"hour": 6, "minute": 8}
